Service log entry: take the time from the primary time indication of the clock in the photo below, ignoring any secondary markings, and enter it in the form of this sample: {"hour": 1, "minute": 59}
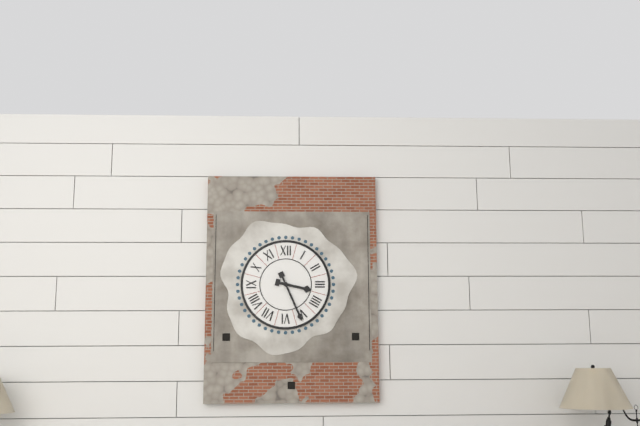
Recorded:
{"hour": 3, "minute": 26}
